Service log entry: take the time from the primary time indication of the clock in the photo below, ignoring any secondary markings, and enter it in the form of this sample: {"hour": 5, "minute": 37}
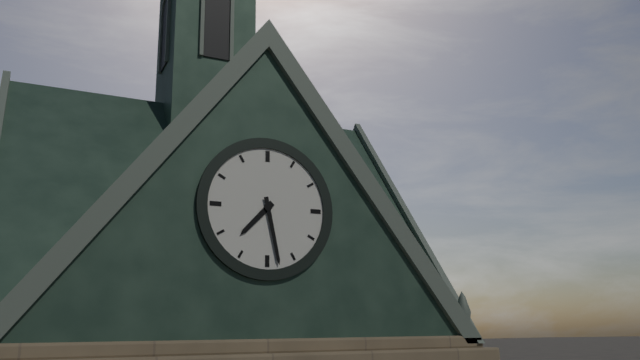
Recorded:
{"hour": 7, "minute": 28}
